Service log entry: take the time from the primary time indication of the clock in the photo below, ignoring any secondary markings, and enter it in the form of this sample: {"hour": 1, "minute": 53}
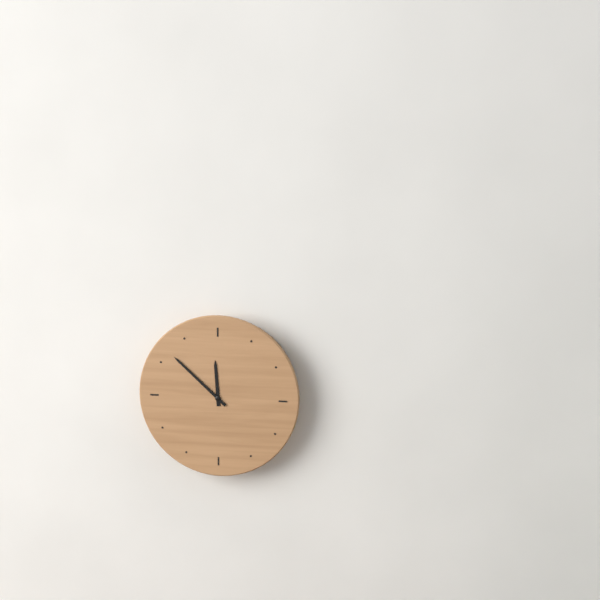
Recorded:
{"hour": 11, "minute": 52}
